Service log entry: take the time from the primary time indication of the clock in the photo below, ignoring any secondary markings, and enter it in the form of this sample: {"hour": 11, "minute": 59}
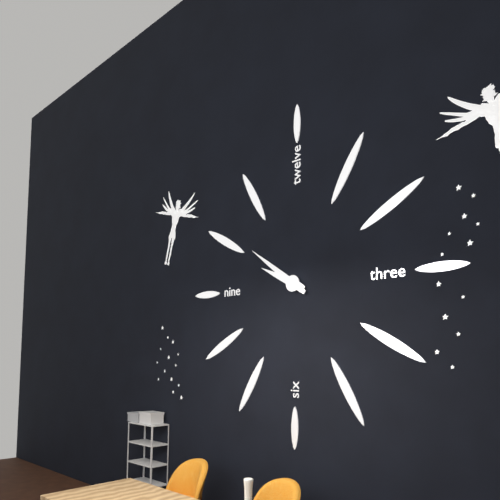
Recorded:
{"hour": 9, "minute": 51}
